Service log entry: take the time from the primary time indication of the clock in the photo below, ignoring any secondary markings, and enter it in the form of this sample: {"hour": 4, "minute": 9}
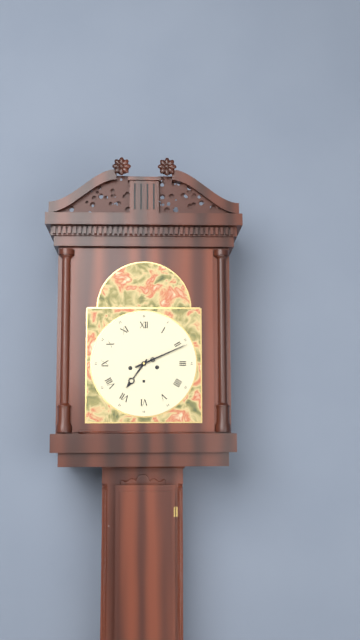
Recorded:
{"hour": 7, "minute": 11}
